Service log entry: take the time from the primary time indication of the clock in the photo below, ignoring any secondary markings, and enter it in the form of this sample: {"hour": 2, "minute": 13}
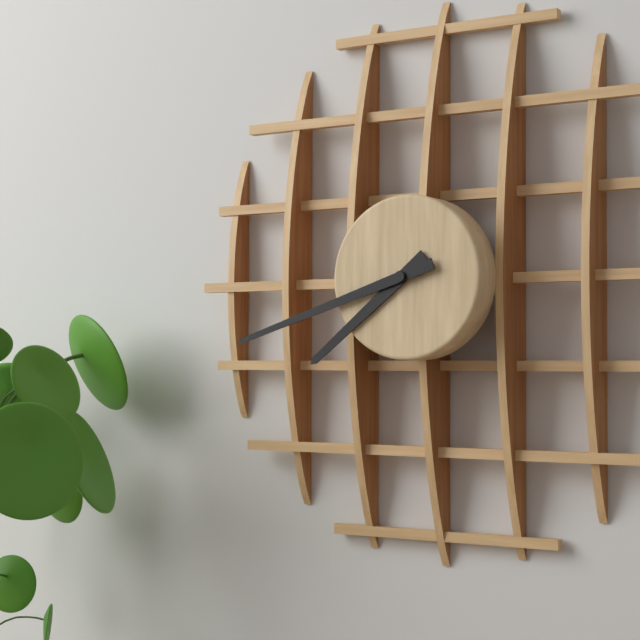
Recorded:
{"hour": 7, "minute": 42}
